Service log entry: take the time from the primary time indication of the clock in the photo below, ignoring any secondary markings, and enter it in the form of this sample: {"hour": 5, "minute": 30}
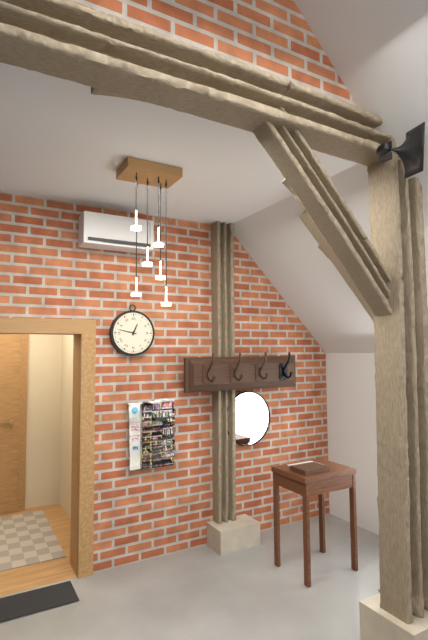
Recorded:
{"hour": 12, "minute": 47}
